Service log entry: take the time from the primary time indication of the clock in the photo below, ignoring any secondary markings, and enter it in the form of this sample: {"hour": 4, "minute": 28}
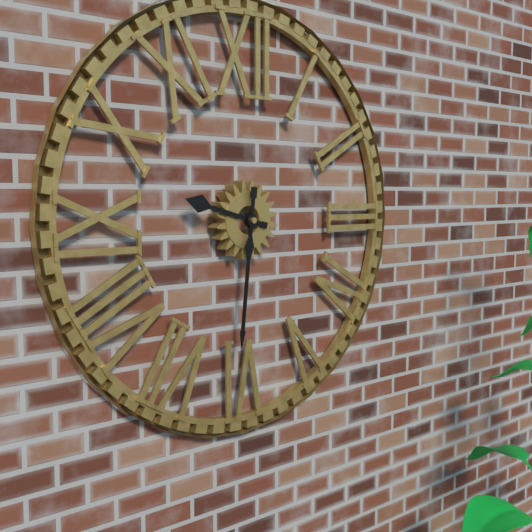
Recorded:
{"hour": 9, "minute": 31}
